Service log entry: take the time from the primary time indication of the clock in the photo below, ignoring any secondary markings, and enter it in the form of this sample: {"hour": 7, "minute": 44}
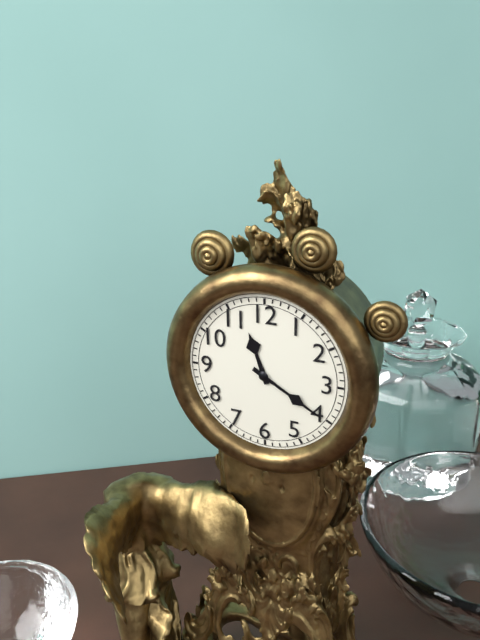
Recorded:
{"hour": 11, "minute": 20}
